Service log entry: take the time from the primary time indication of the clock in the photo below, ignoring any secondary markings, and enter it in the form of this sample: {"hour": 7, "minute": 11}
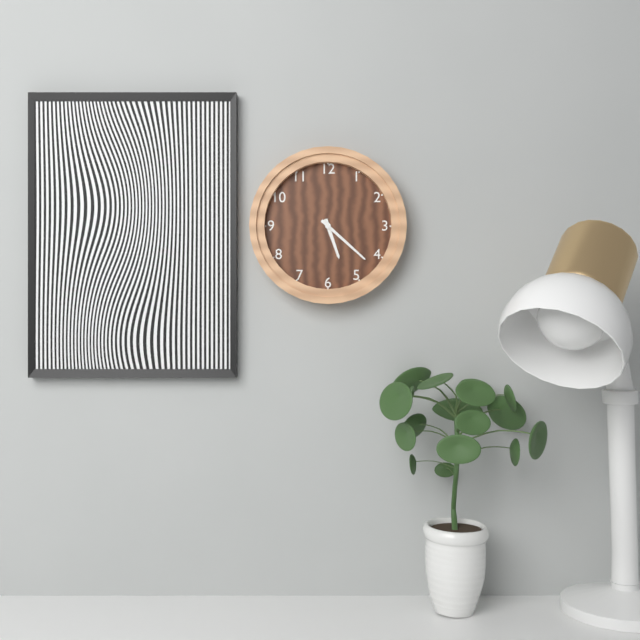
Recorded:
{"hour": 5, "minute": 22}
